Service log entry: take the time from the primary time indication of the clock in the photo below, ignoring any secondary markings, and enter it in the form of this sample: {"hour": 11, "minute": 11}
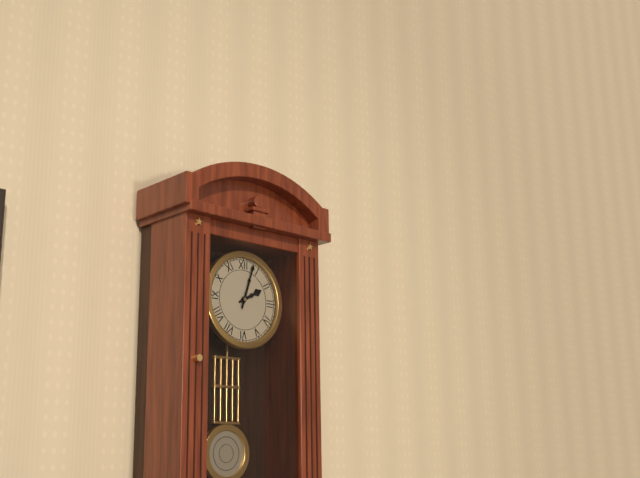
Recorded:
{"hour": 2, "minute": 3}
